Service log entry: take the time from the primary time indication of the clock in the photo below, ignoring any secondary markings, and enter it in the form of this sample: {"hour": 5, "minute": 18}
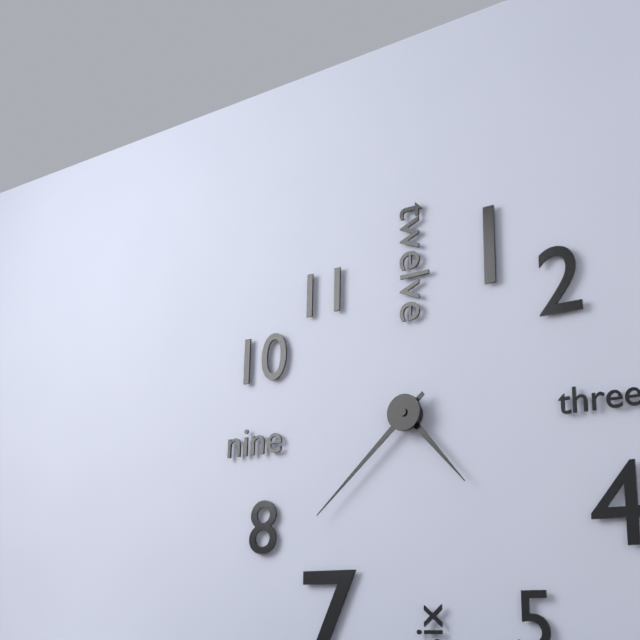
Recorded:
{"hour": 4, "minute": 38}
